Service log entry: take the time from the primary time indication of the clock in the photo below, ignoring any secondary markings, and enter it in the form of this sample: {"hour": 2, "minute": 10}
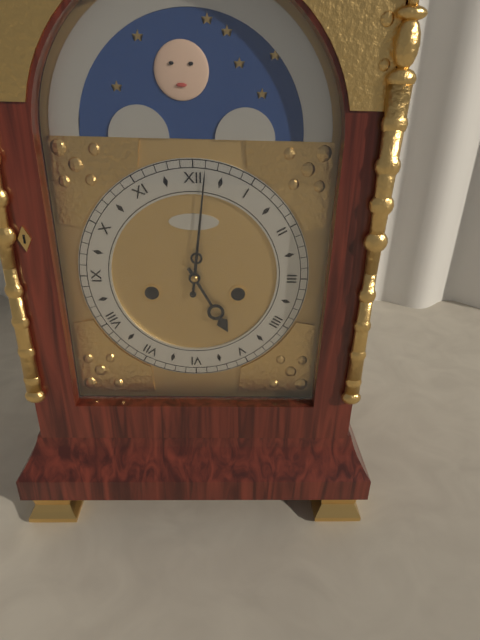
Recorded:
{"hour": 5, "minute": 1}
